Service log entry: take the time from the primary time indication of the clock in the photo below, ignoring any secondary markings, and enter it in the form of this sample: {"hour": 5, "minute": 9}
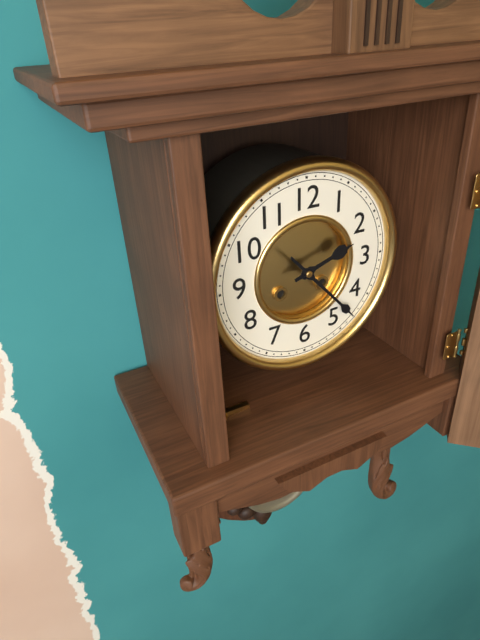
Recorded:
{"hour": 2, "minute": 23}
